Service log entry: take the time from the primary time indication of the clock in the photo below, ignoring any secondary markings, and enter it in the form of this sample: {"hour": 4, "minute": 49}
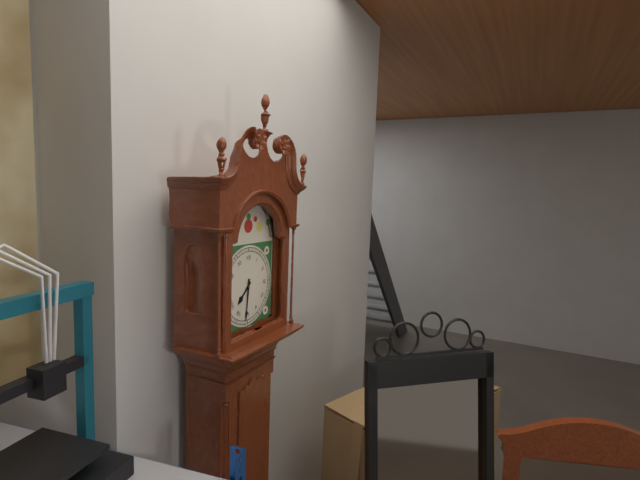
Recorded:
{"hour": 7, "minute": 31}
